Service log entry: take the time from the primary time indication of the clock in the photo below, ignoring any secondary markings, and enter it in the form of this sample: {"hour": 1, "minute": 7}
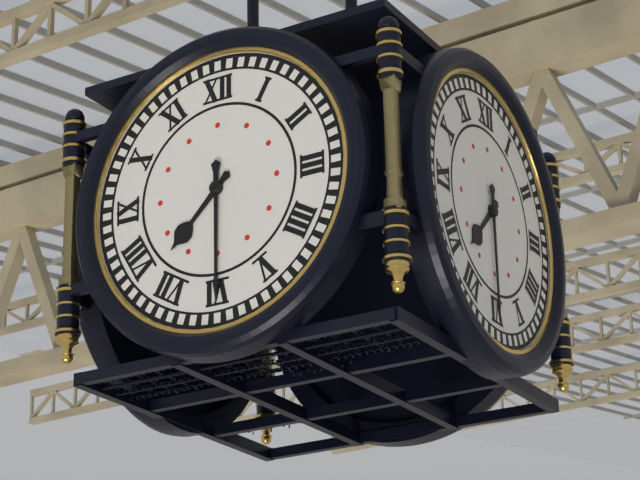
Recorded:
{"hour": 7, "minute": 30}
